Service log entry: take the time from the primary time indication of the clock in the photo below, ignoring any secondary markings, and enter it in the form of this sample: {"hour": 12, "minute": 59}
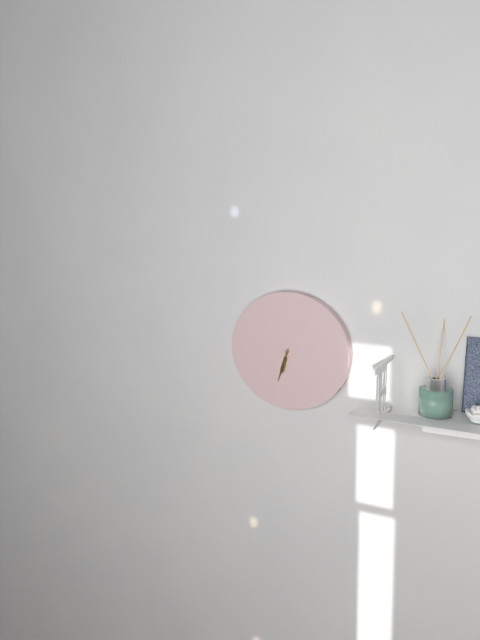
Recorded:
{"hour": 6, "minute": 33}
